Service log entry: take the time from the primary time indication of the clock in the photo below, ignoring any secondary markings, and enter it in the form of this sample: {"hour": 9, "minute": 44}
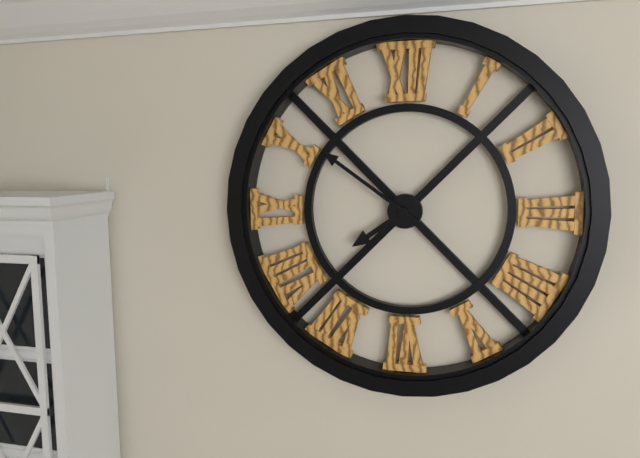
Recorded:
{"hour": 7, "minute": 51}
